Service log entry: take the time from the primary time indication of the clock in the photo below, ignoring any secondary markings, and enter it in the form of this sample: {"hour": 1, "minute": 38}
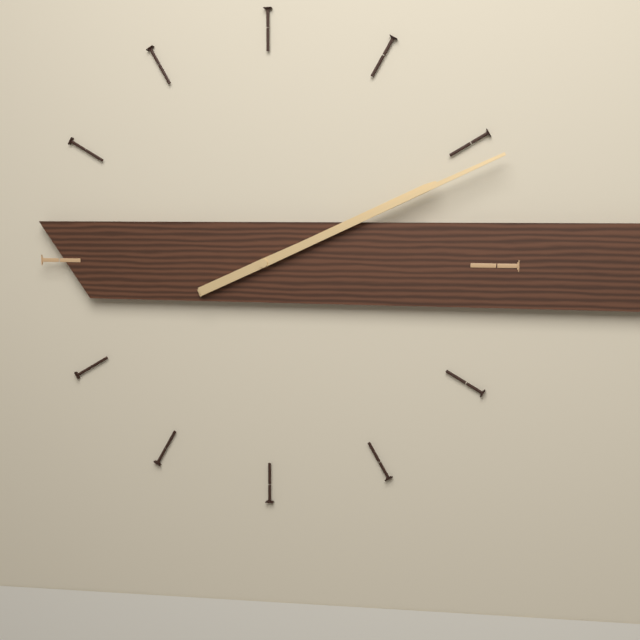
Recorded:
{"hour": 2, "minute": 11}
